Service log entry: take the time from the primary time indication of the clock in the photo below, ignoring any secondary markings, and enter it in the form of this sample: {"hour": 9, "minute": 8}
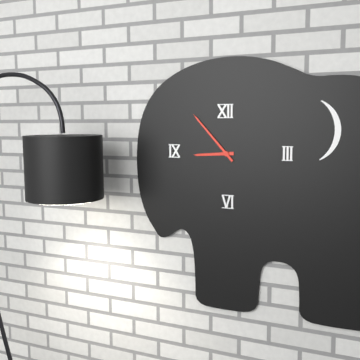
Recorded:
{"hour": 8, "minute": 53}
